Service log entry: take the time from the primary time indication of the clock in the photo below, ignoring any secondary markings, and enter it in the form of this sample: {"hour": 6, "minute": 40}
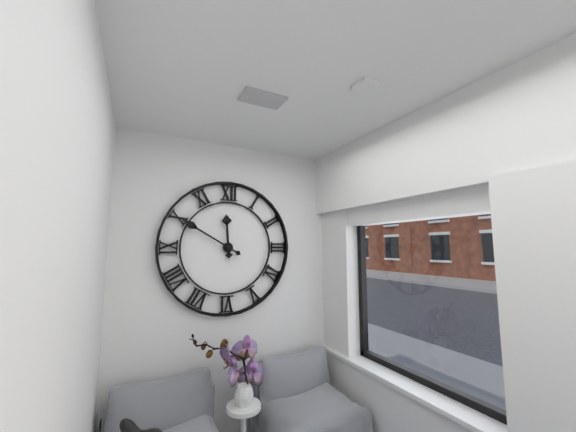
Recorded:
{"hour": 11, "minute": 50}
